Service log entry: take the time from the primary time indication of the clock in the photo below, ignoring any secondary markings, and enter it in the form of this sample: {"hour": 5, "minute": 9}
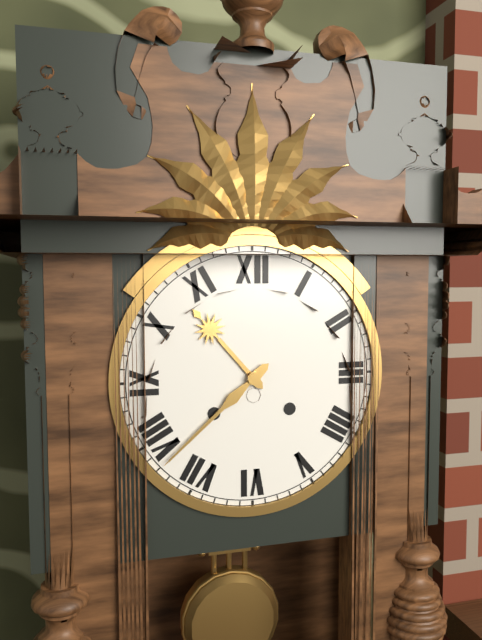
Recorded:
{"hour": 10, "minute": 38}
